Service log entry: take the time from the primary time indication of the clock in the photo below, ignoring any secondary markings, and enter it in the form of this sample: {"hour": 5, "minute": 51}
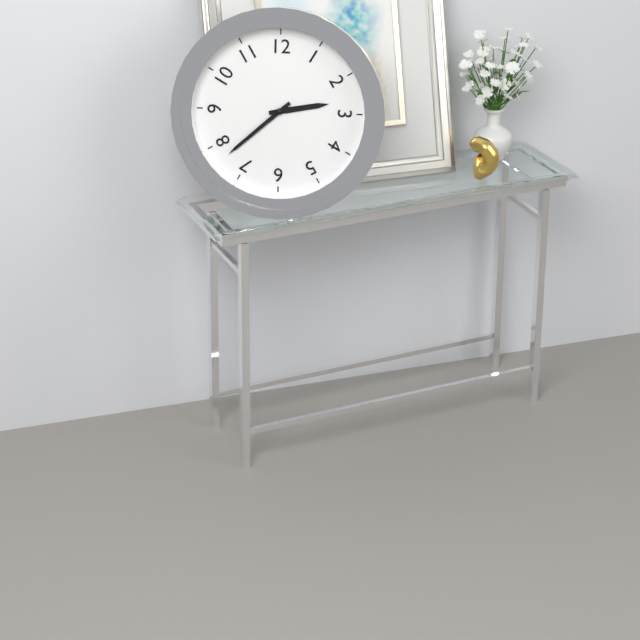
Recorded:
{"hour": 2, "minute": 38}
